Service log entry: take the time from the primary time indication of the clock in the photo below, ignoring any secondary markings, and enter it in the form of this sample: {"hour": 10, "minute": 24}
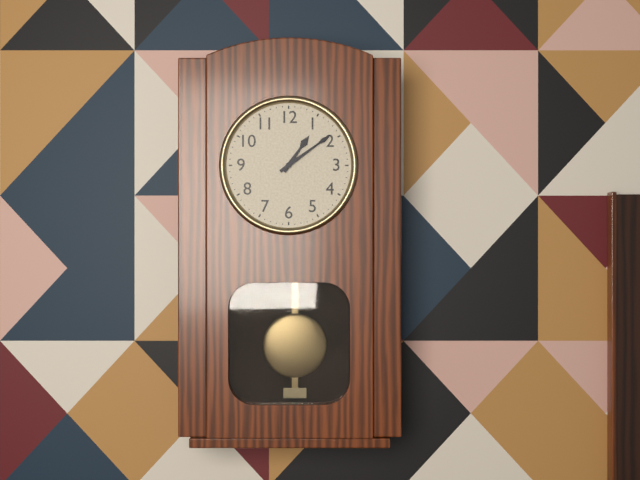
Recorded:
{"hour": 1, "minute": 9}
